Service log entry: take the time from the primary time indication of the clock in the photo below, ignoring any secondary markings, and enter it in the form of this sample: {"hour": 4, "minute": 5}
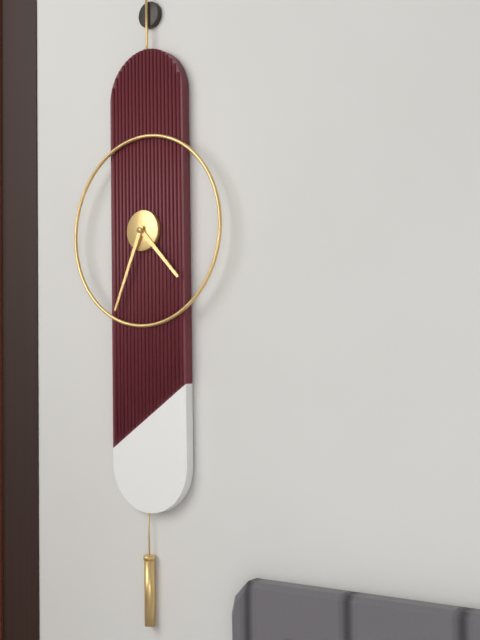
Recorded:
{"hour": 4, "minute": 34}
